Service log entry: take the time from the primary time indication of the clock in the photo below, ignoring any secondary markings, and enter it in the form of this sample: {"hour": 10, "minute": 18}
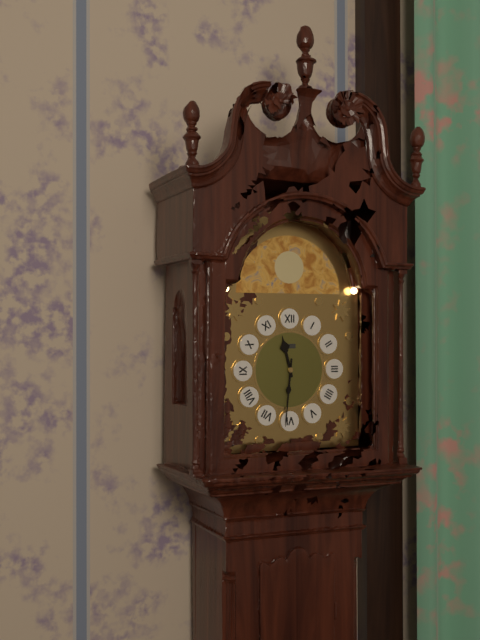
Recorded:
{"hour": 11, "minute": 31}
